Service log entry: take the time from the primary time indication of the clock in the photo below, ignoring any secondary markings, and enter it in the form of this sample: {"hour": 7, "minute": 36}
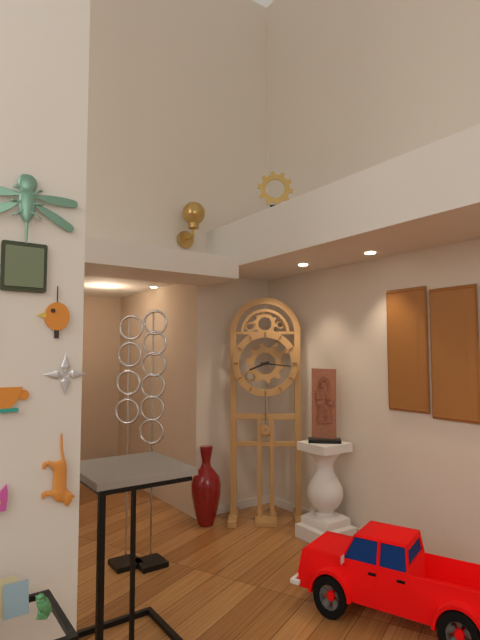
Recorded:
{"hour": 8, "minute": 16}
